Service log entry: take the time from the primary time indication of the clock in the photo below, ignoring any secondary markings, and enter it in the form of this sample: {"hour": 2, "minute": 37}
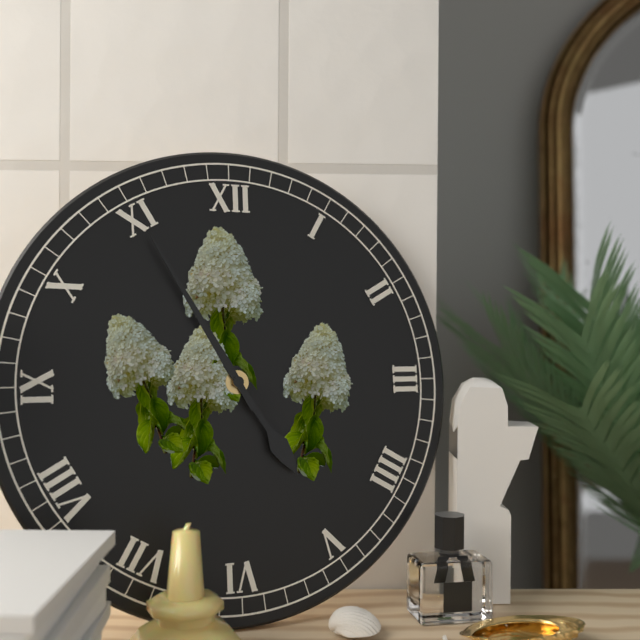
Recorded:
{"hour": 4, "minute": 55}
